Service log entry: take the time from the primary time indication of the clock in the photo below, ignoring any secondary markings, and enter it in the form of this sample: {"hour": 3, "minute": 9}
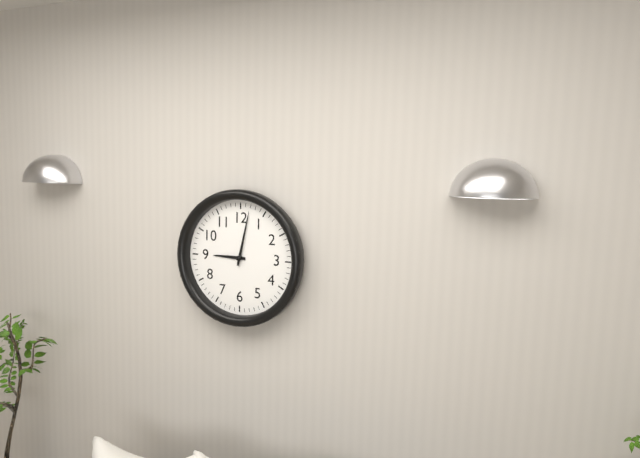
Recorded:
{"hour": 9, "minute": 2}
